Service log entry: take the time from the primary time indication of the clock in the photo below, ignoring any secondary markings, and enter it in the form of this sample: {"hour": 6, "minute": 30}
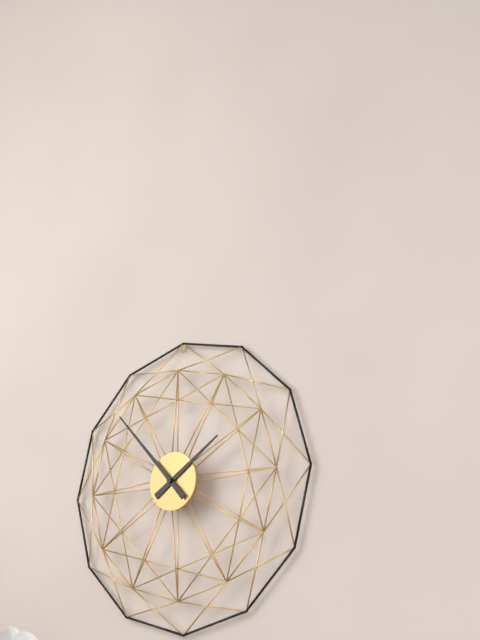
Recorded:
{"hour": 1, "minute": 53}
